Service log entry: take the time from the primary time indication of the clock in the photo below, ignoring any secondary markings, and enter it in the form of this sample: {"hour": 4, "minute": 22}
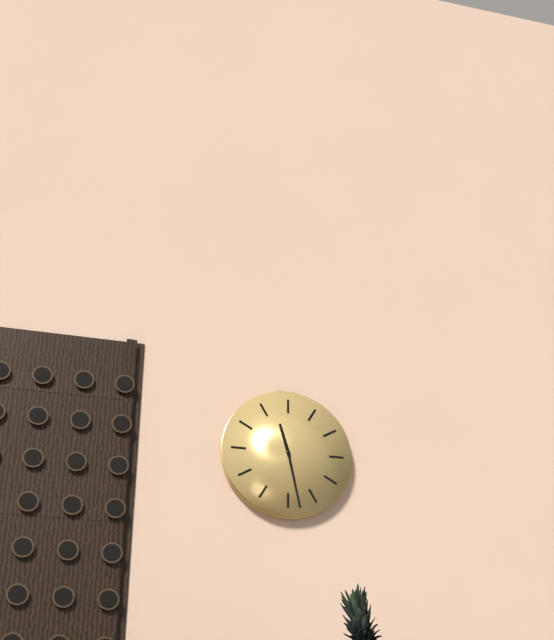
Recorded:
{"hour": 11, "minute": 28}
